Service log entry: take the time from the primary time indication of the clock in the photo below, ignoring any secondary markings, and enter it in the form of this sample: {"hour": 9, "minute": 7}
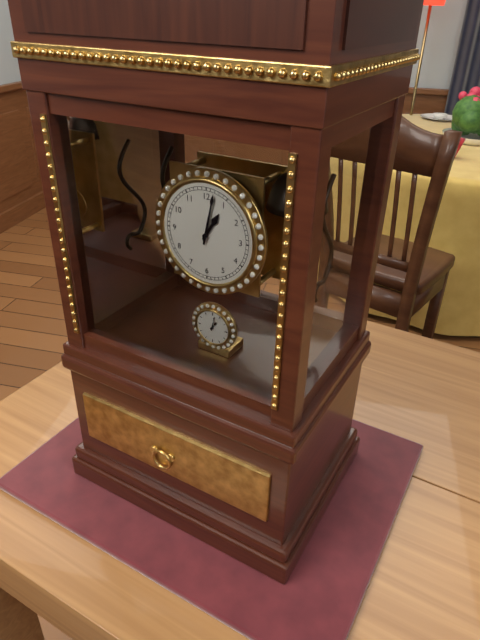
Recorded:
{"hour": 1, "minute": 2}
